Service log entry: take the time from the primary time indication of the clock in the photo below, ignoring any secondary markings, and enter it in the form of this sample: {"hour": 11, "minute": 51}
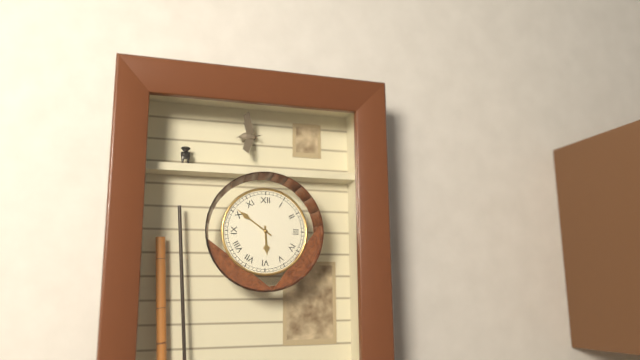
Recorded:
{"hour": 5, "minute": 51}
